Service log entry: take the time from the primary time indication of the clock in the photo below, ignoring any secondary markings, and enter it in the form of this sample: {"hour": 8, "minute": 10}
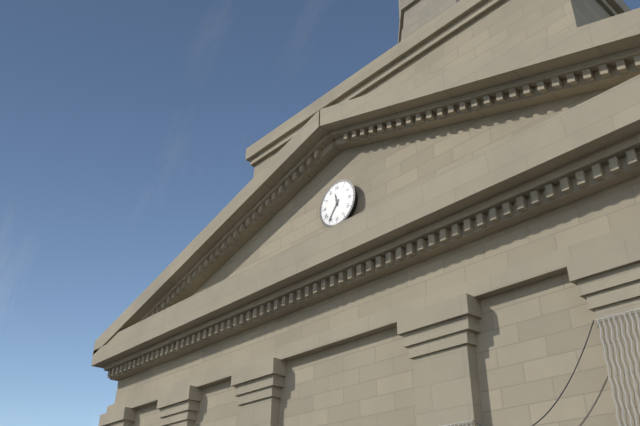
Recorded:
{"hour": 11, "minute": 36}
